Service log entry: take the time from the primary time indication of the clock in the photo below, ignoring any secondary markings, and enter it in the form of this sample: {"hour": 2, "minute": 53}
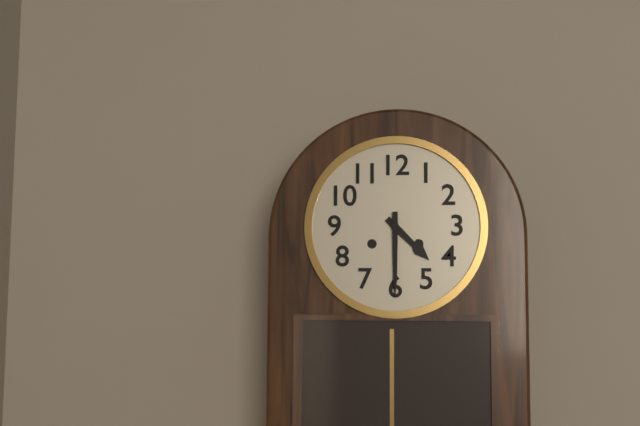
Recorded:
{"hour": 4, "minute": 30}
